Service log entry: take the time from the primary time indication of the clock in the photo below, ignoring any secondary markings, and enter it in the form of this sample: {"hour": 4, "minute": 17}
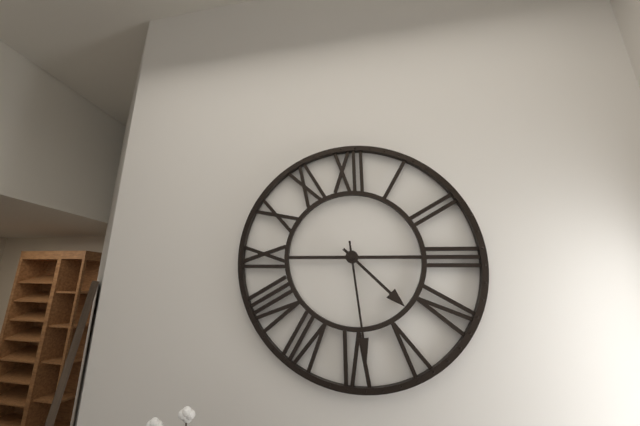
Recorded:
{"hour": 4, "minute": 29}
